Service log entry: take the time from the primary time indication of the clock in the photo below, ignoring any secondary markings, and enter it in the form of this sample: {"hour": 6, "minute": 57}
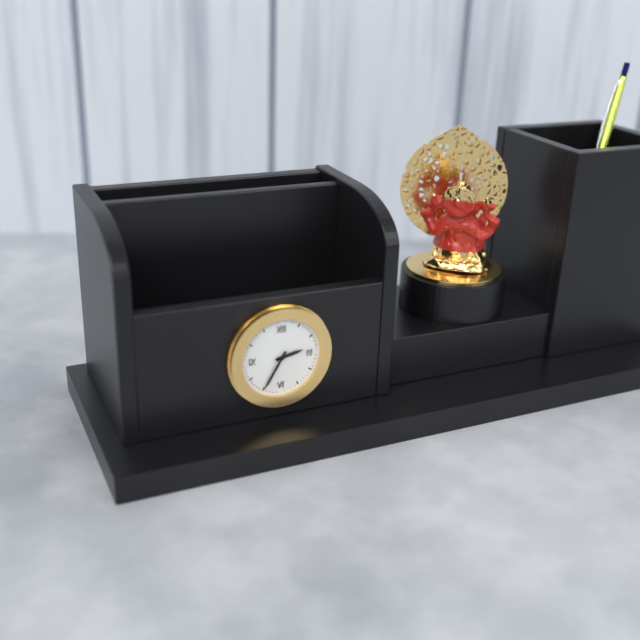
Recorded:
{"hour": 2, "minute": 35}
